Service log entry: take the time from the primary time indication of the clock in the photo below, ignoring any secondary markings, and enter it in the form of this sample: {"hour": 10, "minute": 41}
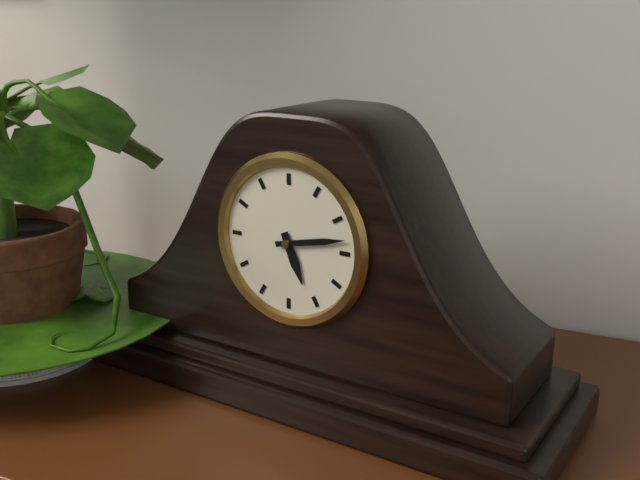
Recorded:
{"hour": 5, "minute": 13}
